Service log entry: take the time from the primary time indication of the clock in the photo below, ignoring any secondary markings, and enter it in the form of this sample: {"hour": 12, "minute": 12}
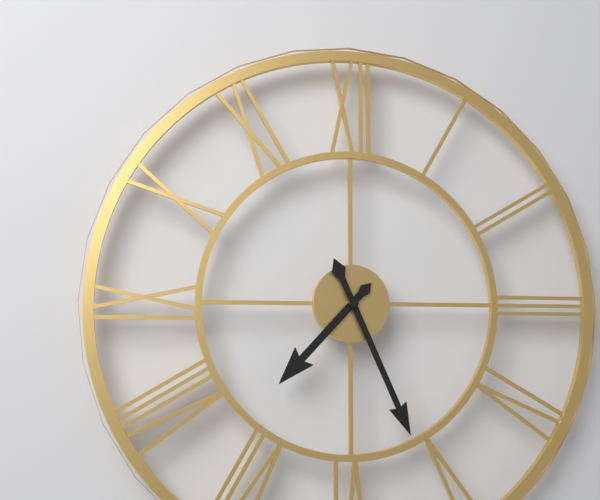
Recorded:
{"hour": 7, "minute": 26}
